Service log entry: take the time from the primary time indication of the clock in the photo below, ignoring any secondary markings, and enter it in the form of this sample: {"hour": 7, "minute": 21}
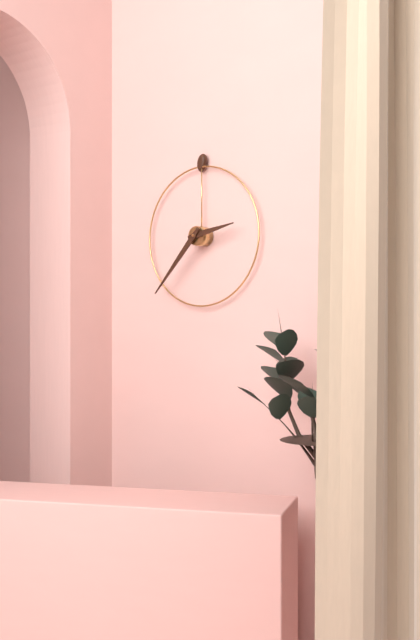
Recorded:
{"hour": 2, "minute": 37}
